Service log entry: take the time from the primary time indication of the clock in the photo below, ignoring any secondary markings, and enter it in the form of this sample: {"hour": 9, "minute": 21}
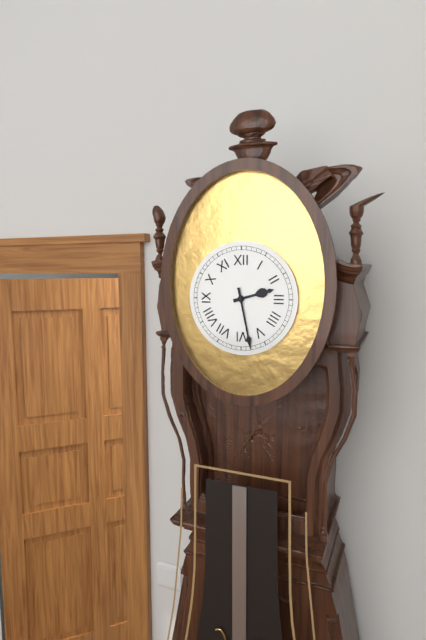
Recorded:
{"hour": 2, "minute": 28}
